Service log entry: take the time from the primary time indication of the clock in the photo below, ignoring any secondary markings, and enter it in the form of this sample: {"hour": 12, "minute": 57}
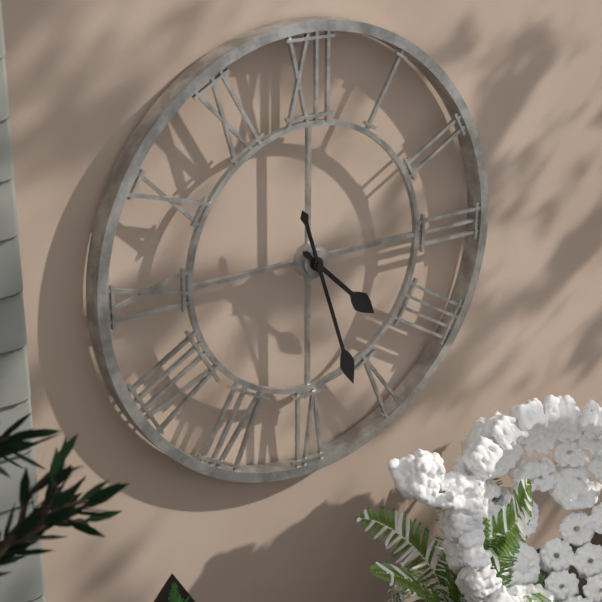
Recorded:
{"hour": 4, "minute": 27}
